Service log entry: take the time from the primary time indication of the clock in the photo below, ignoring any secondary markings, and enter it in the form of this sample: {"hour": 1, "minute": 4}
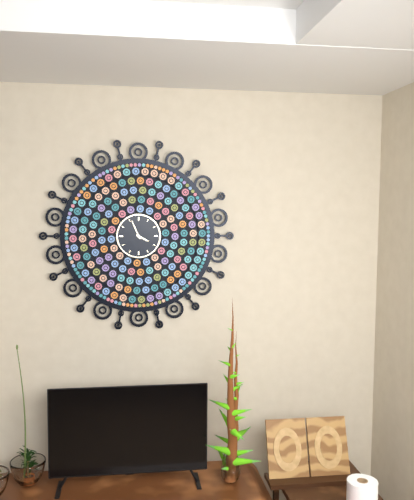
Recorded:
{"hour": 3, "minute": 56}
